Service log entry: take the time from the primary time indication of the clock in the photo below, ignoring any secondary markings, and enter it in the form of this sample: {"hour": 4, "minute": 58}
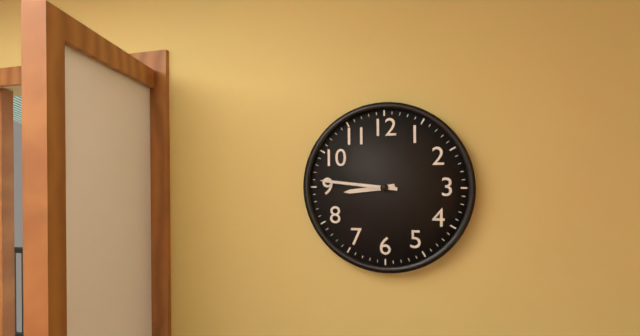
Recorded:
{"hour": 8, "minute": 46}
